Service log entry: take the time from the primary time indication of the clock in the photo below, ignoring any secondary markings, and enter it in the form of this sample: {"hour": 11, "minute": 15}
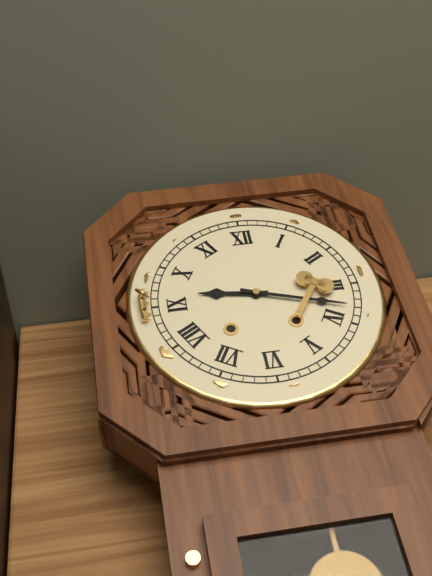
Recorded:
{"hour": 9, "minute": 18}
